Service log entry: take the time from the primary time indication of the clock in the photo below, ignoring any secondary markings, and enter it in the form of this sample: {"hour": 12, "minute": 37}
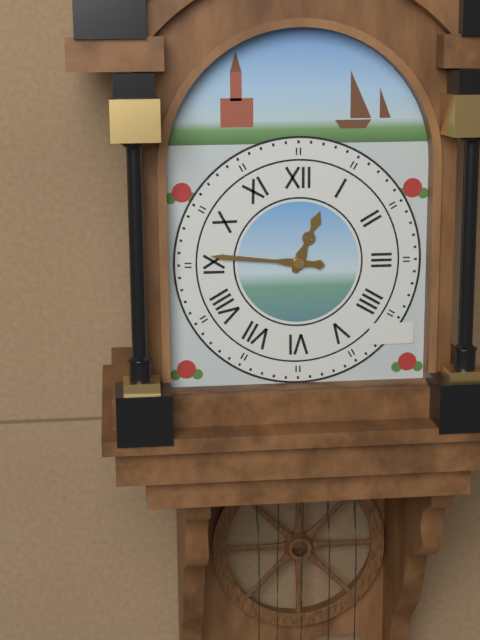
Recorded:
{"hour": 12, "minute": 46}
